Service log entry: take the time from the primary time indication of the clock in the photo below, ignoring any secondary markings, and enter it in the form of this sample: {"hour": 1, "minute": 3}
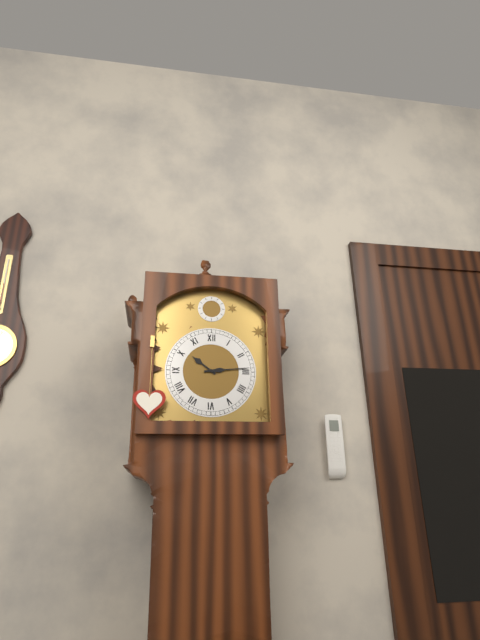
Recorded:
{"hour": 10, "minute": 14}
